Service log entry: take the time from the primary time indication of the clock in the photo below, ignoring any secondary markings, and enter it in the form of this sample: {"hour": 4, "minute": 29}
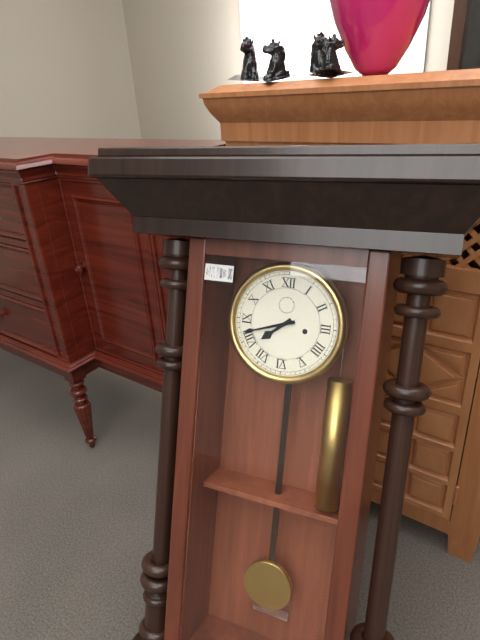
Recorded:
{"hour": 7, "minute": 42}
